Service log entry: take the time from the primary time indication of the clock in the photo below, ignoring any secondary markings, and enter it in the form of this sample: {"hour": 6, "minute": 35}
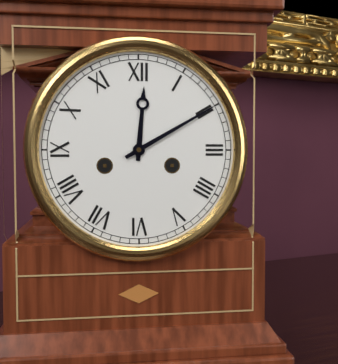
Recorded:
{"hour": 12, "minute": 10}
